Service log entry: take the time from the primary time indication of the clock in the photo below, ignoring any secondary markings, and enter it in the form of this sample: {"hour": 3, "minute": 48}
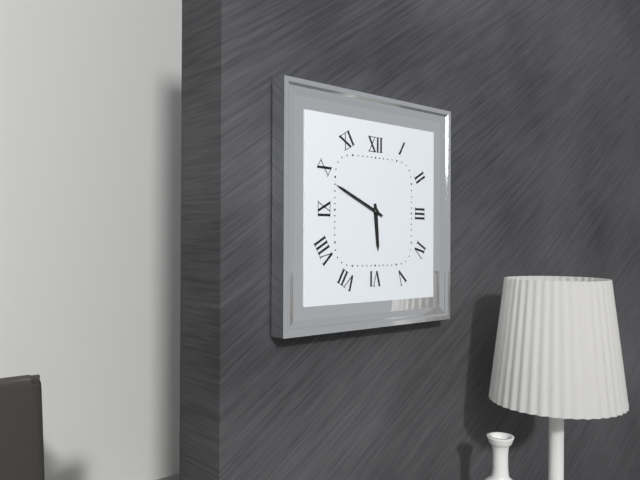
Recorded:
{"hour": 5, "minute": 49}
